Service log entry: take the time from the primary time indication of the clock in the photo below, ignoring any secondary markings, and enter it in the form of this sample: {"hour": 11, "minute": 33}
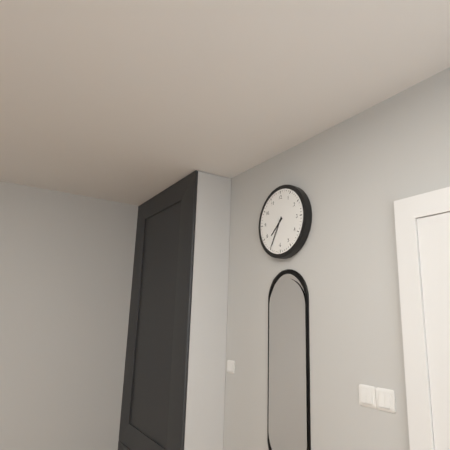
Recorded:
{"hour": 7, "minute": 35}
